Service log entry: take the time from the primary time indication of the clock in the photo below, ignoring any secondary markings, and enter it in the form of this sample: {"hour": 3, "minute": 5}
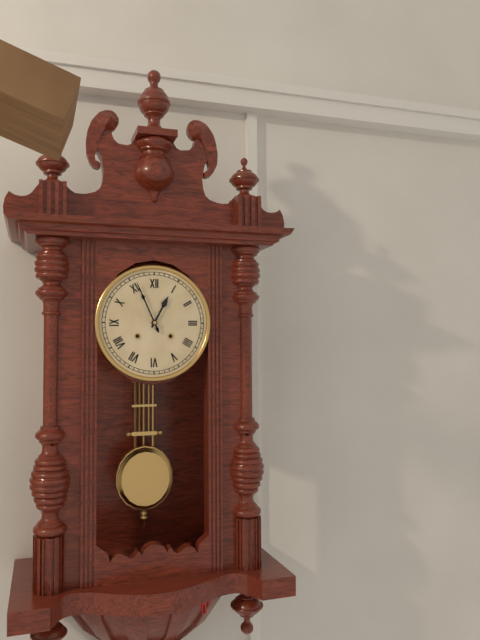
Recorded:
{"hour": 12, "minute": 56}
